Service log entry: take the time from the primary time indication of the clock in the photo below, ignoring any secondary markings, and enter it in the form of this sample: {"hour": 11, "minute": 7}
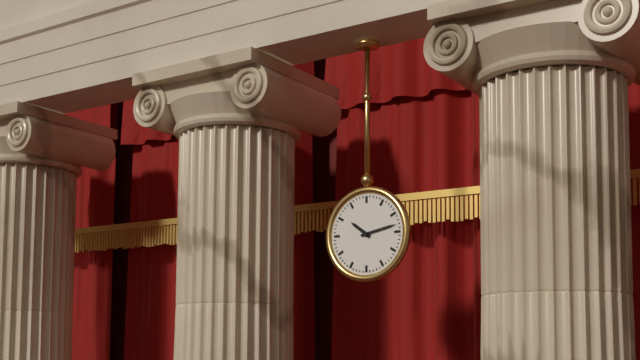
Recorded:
{"hour": 10, "minute": 13}
